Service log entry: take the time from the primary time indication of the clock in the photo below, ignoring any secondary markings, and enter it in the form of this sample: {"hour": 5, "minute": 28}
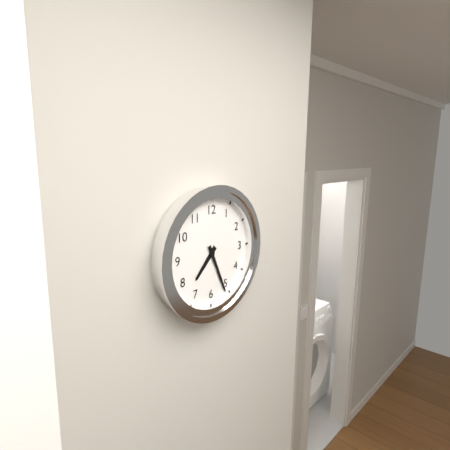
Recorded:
{"hour": 7, "minute": 26}
